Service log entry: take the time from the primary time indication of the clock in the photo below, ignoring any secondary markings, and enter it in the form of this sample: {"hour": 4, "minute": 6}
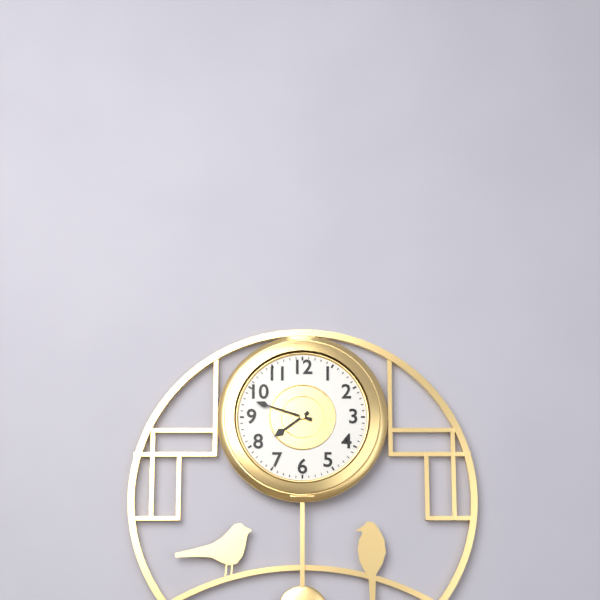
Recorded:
{"hour": 7, "minute": 48}
